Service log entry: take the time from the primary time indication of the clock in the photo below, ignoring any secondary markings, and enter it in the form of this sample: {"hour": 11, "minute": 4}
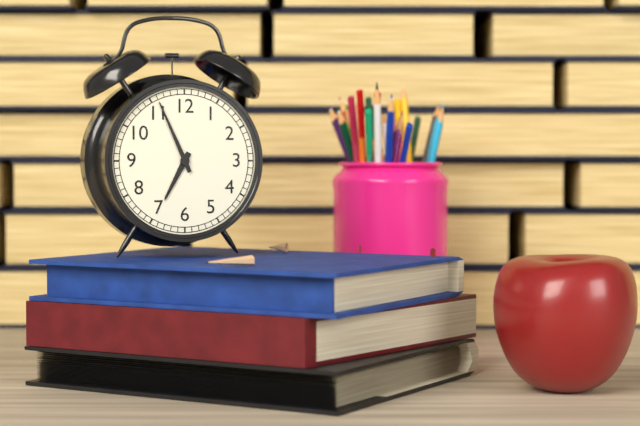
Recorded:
{"hour": 6, "minute": 56}
